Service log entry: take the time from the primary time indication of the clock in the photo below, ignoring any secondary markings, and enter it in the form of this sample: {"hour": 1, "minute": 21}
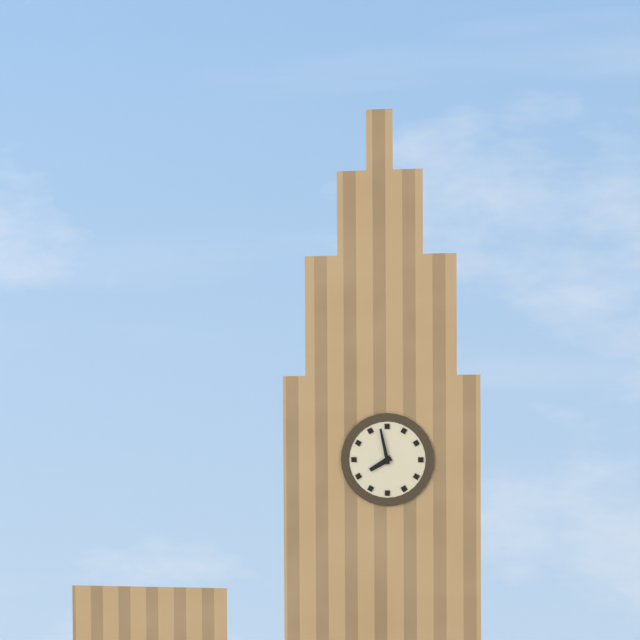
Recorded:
{"hour": 7, "minute": 58}
